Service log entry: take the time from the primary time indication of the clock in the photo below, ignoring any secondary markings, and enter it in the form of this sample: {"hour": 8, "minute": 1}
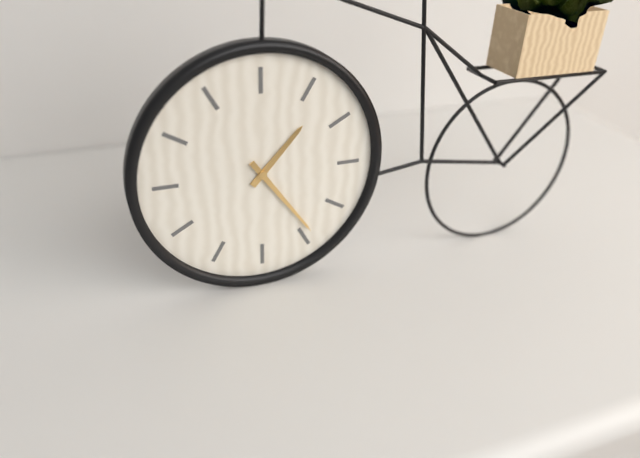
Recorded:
{"hour": 1, "minute": 24}
